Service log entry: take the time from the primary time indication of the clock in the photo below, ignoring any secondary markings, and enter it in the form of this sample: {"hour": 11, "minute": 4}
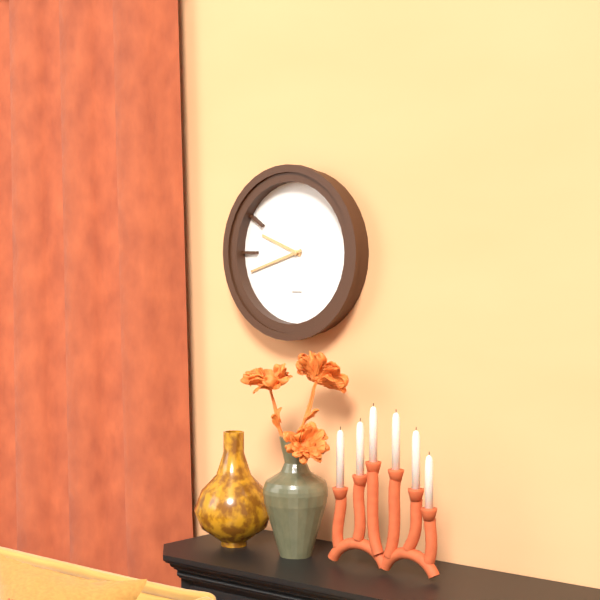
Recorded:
{"hour": 9, "minute": 42}
